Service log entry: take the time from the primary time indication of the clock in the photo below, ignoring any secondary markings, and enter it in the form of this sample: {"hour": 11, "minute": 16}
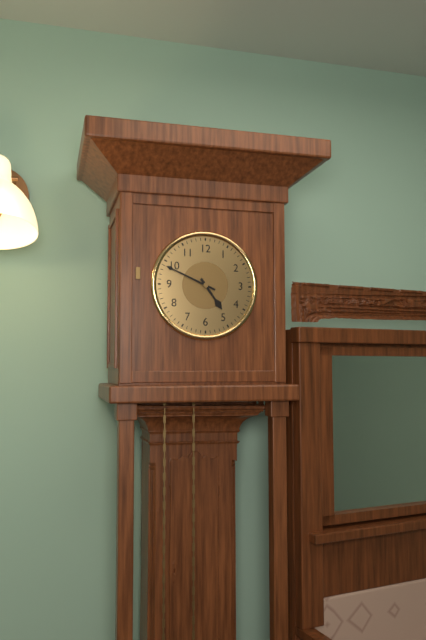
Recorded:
{"hour": 4, "minute": 49}
